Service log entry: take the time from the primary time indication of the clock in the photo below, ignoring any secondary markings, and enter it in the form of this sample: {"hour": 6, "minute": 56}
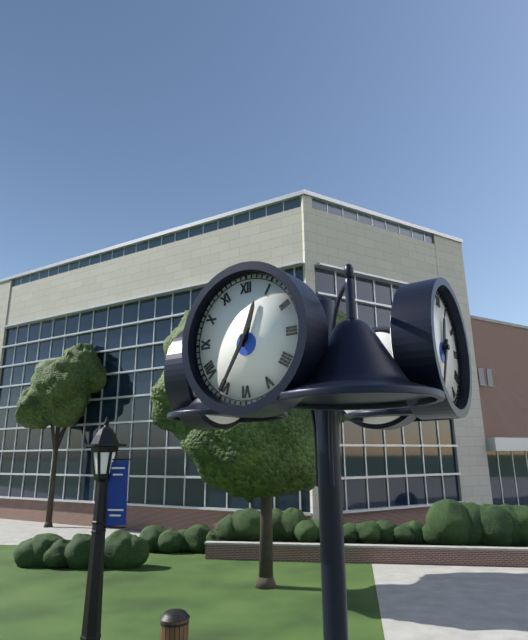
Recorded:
{"hour": 12, "minute": 35}
